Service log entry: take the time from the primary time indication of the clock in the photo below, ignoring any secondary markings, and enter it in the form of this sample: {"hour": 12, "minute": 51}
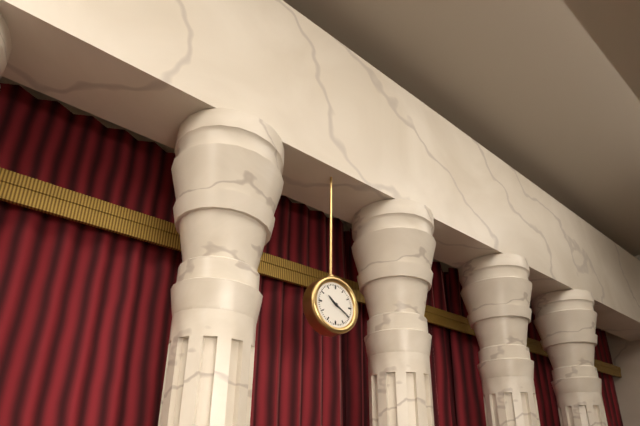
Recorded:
{"hour": 10, "minute": 20}
